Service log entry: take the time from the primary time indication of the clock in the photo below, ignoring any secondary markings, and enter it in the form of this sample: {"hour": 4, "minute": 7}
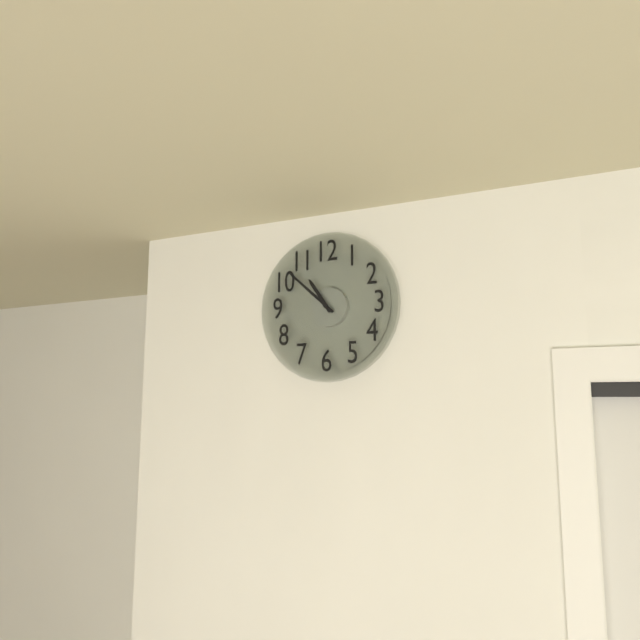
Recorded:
{"hour": 10, "minute": 52}
